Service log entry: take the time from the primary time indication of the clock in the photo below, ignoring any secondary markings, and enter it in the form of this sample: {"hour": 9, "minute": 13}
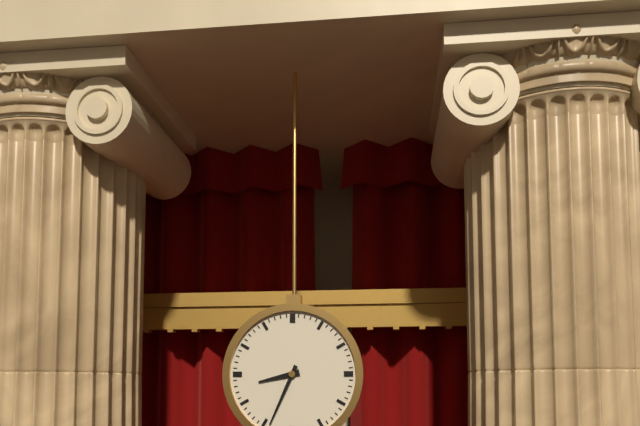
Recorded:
{"hour": 8, "minute": 34}
